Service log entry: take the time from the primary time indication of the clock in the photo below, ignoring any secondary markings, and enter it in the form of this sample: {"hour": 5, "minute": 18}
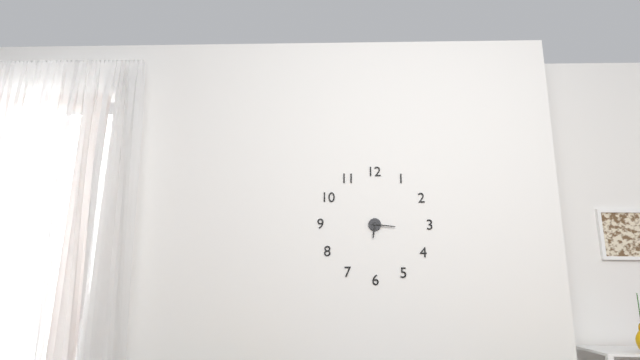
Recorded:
{"hour": 6, "minute": 16}
